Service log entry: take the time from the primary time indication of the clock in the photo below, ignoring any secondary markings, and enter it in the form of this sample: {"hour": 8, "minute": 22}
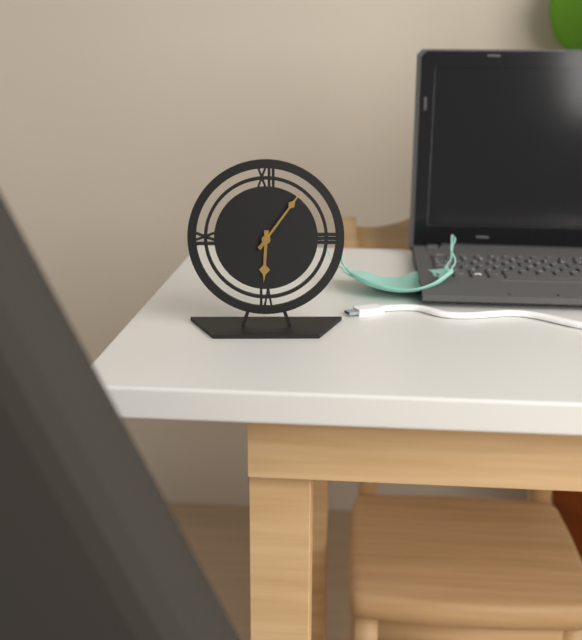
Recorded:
{"hour": 6, "minute": 6}
